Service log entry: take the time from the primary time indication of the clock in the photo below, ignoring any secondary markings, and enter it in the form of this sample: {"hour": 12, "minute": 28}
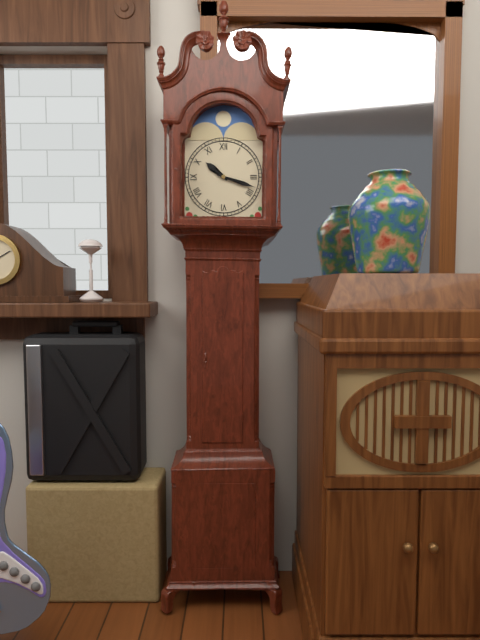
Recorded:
{"hour": 10, "minute": 18}
